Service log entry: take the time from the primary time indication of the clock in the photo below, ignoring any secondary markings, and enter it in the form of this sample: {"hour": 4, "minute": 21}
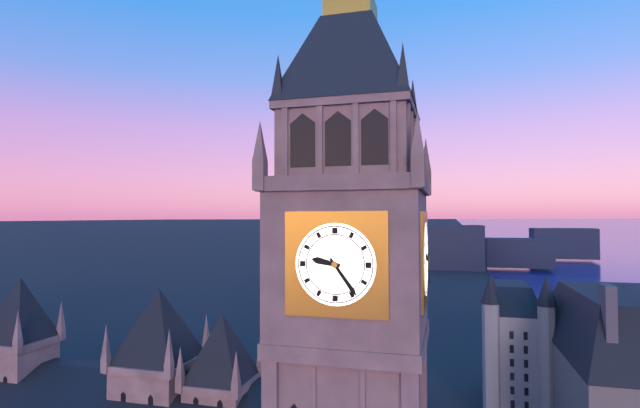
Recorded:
{"hour": 9, "minute": 24}
